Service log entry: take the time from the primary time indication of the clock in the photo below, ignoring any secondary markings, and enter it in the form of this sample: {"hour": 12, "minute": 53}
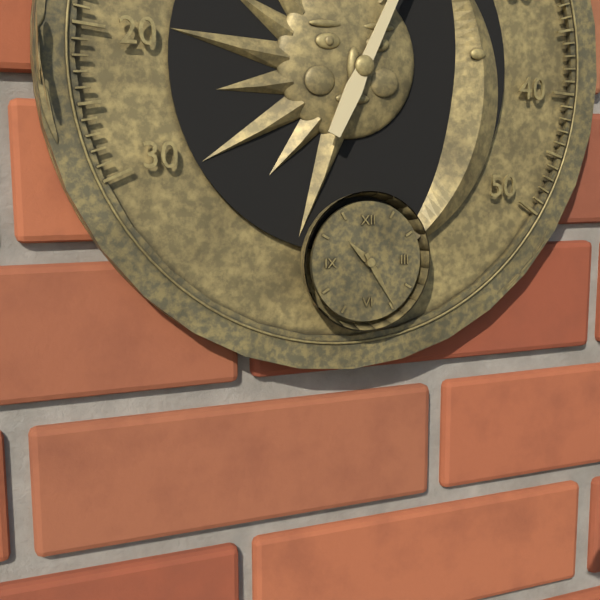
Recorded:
{"hour": 10, "minute": 25}
